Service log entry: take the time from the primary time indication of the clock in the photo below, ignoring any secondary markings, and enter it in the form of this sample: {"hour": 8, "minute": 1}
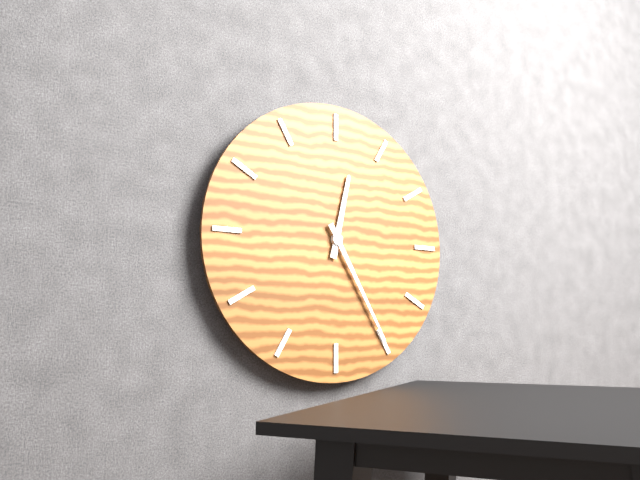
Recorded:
{"hour": 12, "minute": 25}
